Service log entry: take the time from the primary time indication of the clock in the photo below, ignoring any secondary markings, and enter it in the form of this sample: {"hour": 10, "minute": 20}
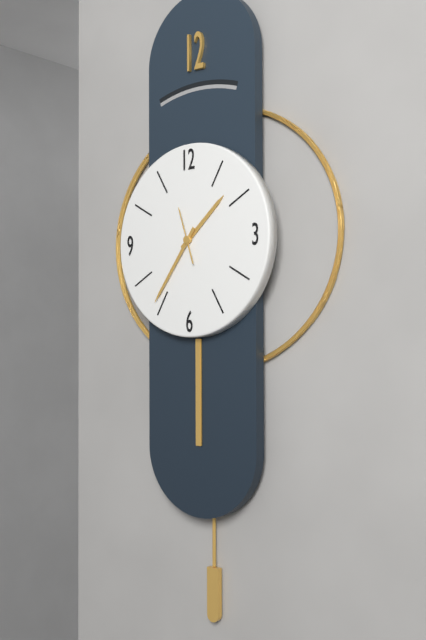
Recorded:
{"hour": 1, "minute": 36}
